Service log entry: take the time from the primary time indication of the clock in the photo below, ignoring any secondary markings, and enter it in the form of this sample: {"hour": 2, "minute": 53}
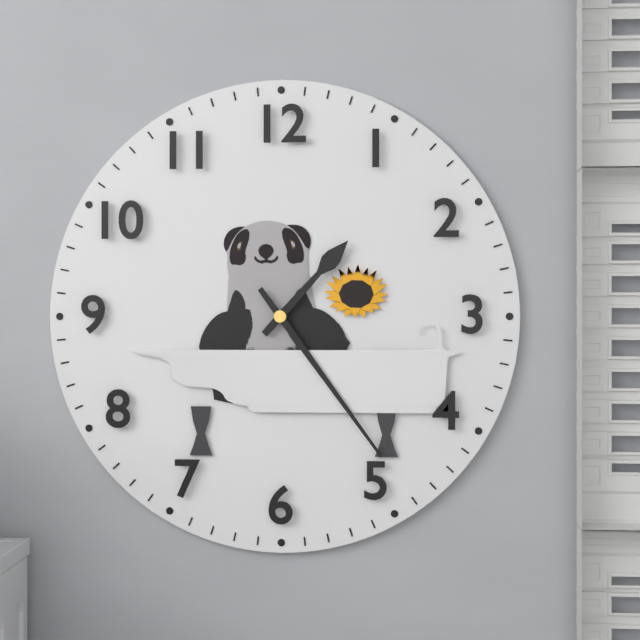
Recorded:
{"hour": 1, "minute": 24}
